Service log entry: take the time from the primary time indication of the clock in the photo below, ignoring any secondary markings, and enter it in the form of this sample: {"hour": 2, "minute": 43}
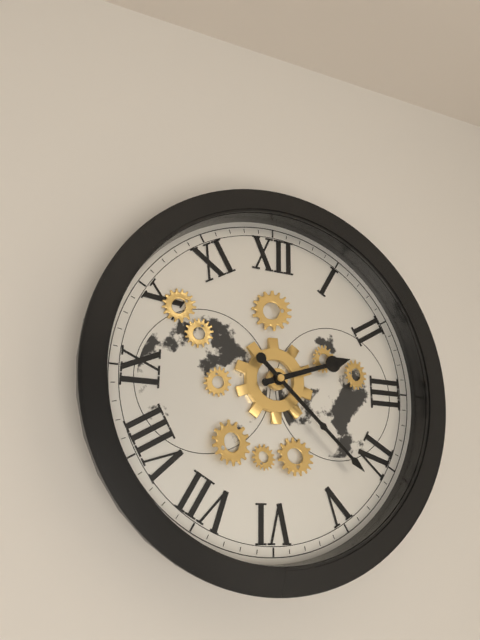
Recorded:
{"hour": 2, "minute": 22}
